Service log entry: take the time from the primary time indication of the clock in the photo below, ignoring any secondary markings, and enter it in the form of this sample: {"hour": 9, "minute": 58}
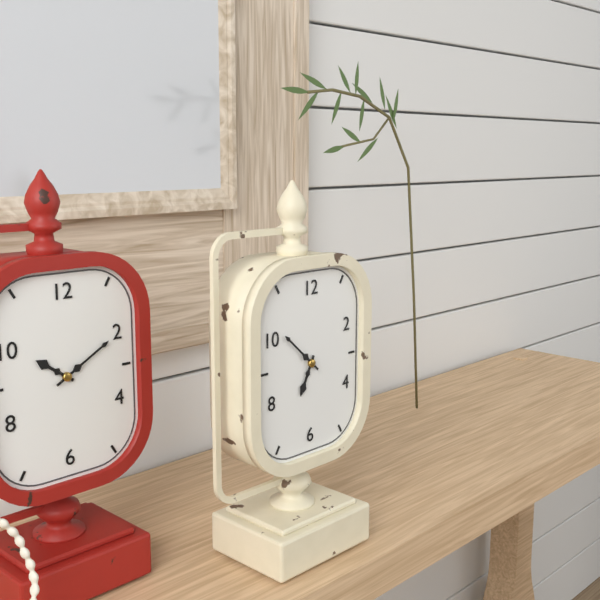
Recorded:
{"hour": 6, "minute": 52}
